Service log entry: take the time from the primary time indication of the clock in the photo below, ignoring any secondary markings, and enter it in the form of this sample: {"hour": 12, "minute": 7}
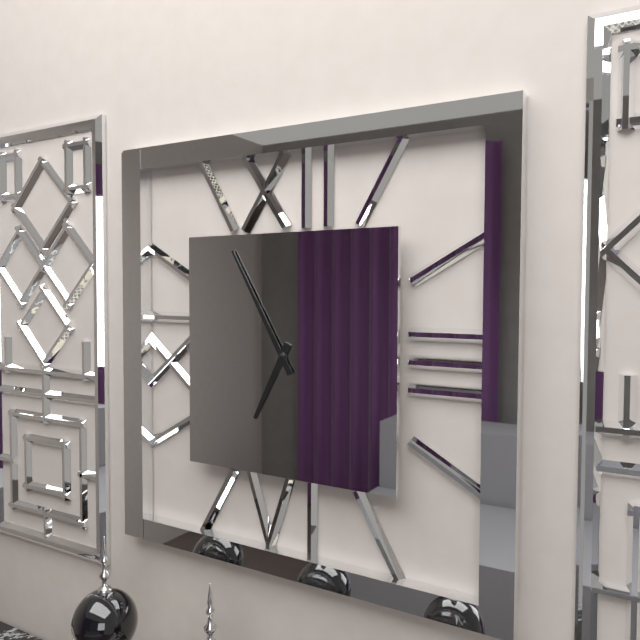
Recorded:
{"hour": 6, "minute": 55}
